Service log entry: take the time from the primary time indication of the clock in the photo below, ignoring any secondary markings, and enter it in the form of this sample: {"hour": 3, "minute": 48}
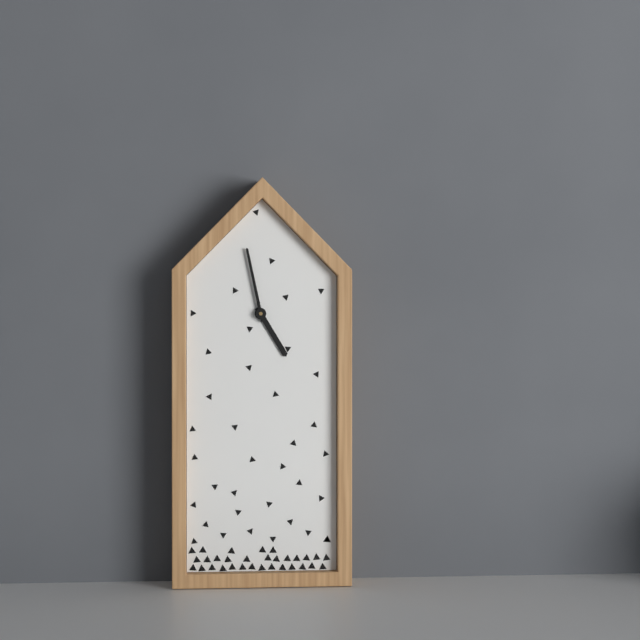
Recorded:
{"hour": 4, "minute": 58}
